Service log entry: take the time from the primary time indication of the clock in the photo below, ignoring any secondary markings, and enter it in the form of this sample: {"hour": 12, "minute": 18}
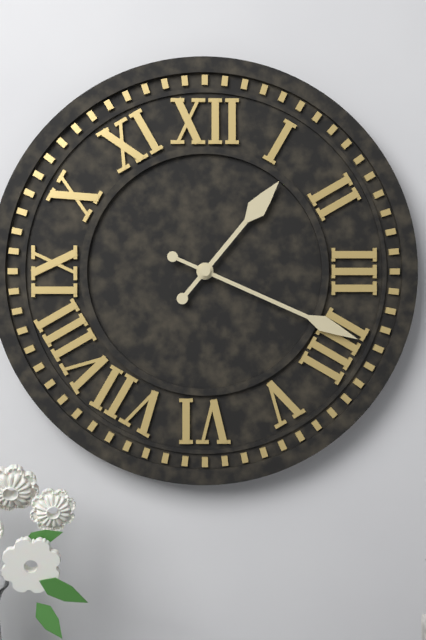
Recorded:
{"hour": 1, "minute": 19}
